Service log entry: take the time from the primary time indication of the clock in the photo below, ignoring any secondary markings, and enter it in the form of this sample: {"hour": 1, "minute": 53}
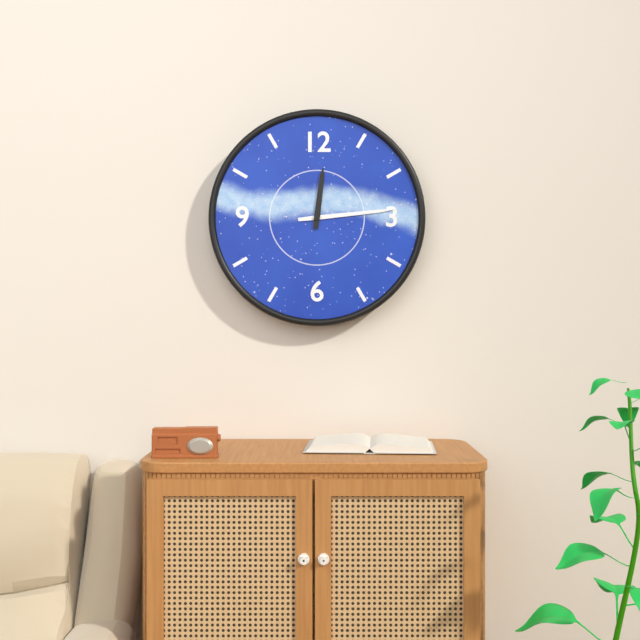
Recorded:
{"hour": 12, "minute": 14}
